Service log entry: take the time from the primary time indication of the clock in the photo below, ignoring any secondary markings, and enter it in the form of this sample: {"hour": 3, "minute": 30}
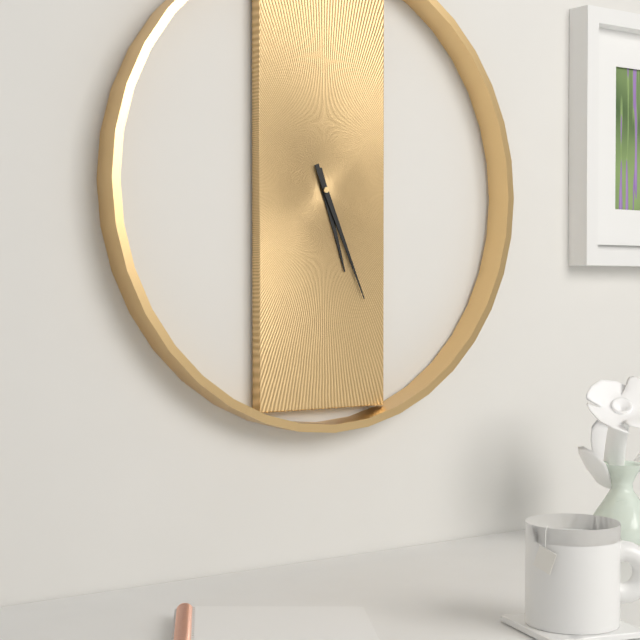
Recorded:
{"hour": 5, "minute": 26}
